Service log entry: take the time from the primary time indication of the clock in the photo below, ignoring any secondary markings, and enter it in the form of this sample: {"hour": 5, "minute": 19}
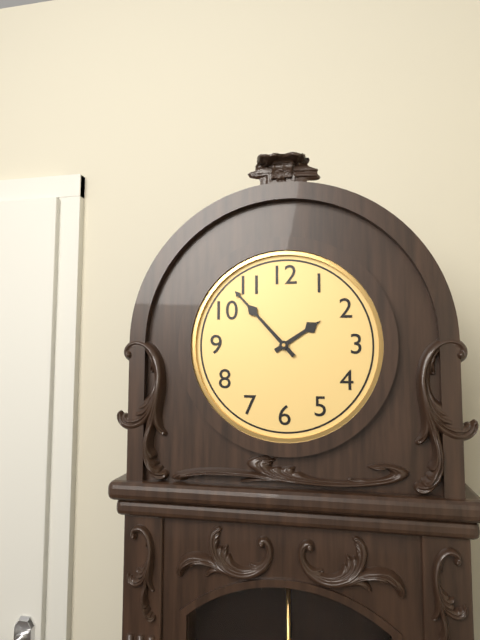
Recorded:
{"hour": 1, "minute": 53}
